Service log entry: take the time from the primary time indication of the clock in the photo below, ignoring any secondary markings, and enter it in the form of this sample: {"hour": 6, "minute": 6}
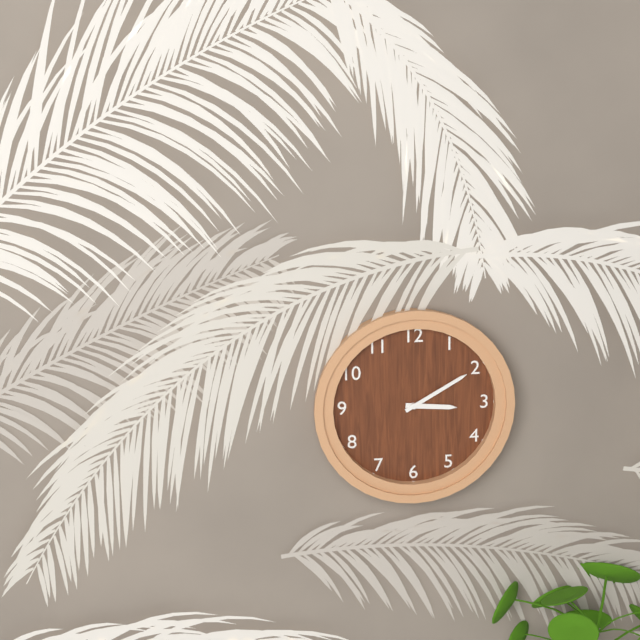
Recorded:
{"hour": 3, "minute": 10}
